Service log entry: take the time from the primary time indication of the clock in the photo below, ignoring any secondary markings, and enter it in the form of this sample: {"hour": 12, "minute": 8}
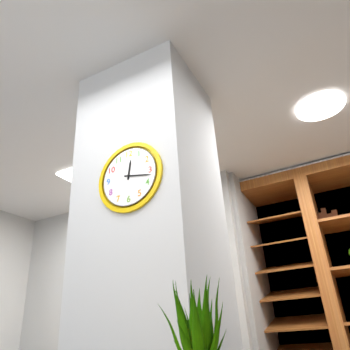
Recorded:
{"hour": 12, "minute": 17}
